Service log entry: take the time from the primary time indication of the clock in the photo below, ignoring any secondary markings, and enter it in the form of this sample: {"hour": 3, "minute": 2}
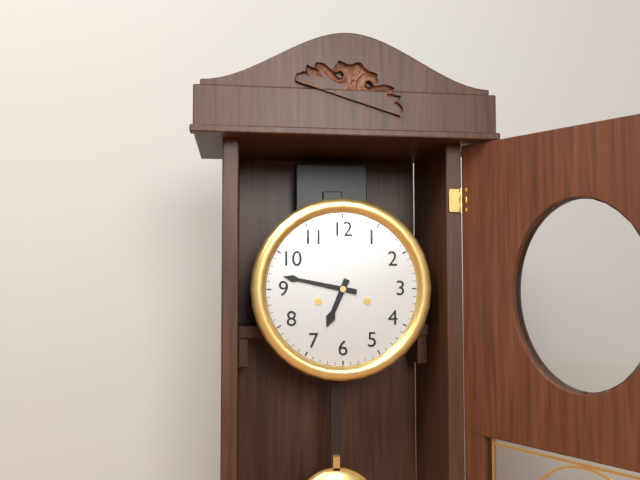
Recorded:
{"hour": 6, "minute": 47}
